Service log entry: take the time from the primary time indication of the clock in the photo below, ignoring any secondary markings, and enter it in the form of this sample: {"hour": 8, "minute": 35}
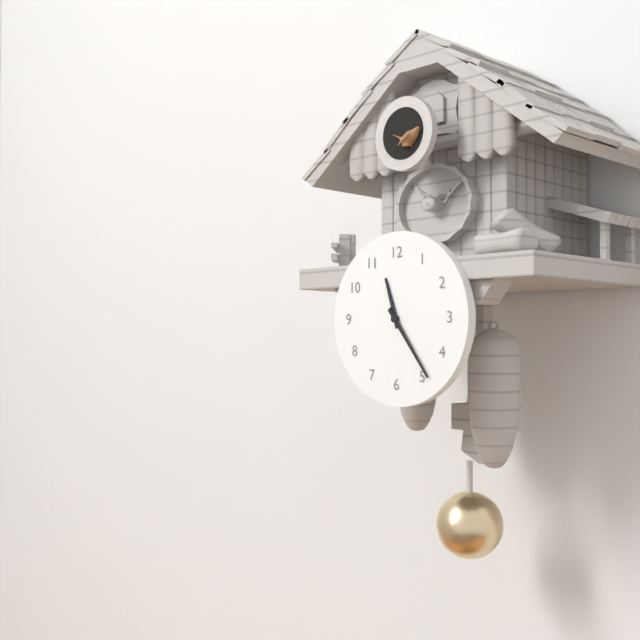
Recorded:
{"hour": 11, "minute": 24}
